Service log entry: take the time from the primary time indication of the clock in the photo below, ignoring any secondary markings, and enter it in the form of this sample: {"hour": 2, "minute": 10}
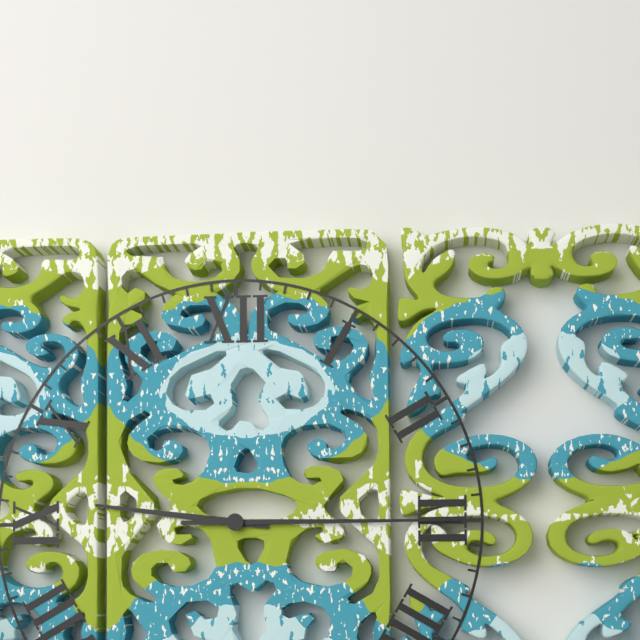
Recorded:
{"hour": 9, "minute": 15}
